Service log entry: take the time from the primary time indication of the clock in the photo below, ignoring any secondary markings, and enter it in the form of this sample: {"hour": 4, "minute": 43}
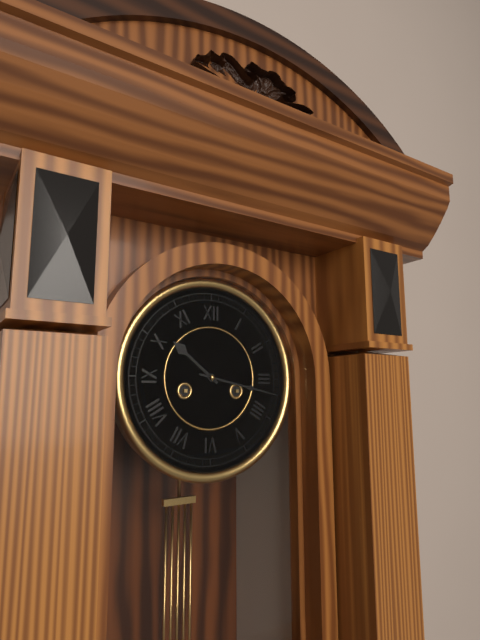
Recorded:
{"hour": 10, "minute": 17}
